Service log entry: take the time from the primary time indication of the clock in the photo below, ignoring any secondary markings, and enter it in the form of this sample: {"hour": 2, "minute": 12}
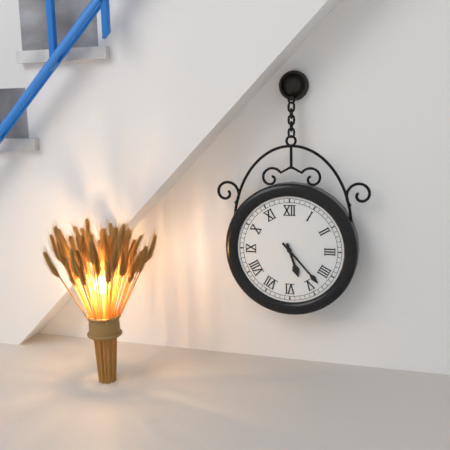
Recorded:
{"hour": 5, "minute": 23}
